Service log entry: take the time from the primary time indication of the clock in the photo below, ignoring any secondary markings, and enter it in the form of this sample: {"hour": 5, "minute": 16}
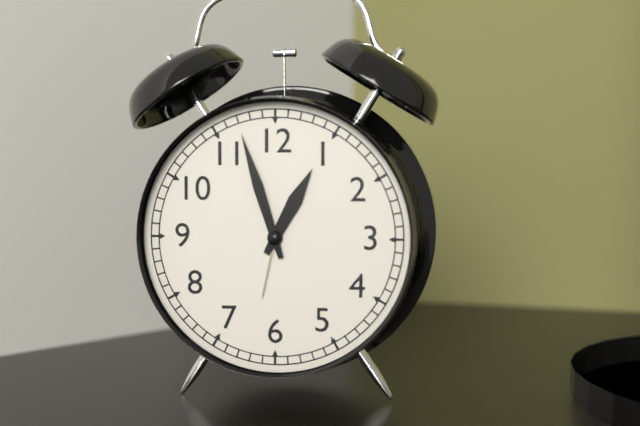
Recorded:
{"hour": 12, "minute": 57}
